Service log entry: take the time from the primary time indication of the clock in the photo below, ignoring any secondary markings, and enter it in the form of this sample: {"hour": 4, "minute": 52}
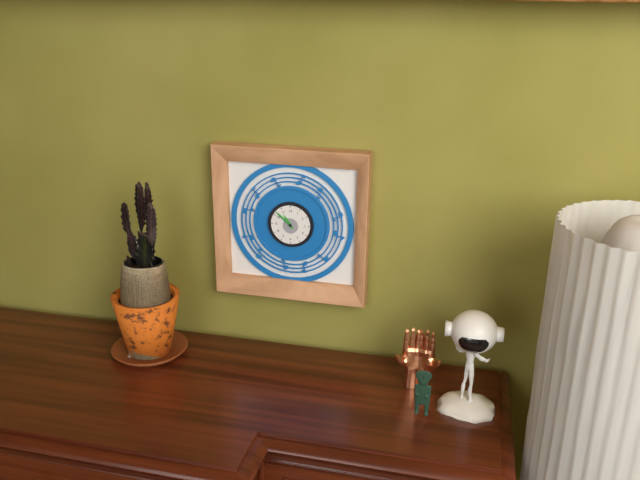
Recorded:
{"hour": 10, "minute": 52}
